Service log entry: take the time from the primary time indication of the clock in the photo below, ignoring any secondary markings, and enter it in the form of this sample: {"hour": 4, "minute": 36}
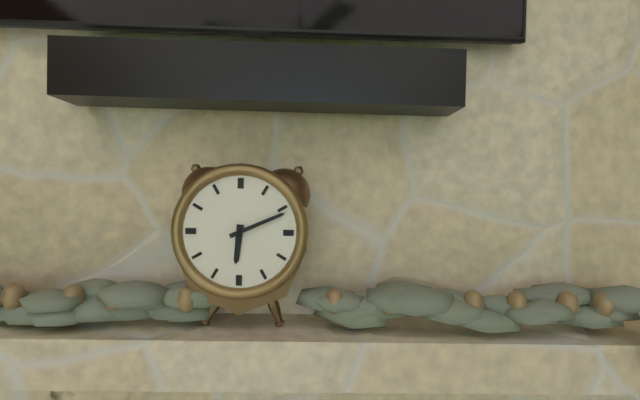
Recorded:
{"hour": 6, "minute": 11}
